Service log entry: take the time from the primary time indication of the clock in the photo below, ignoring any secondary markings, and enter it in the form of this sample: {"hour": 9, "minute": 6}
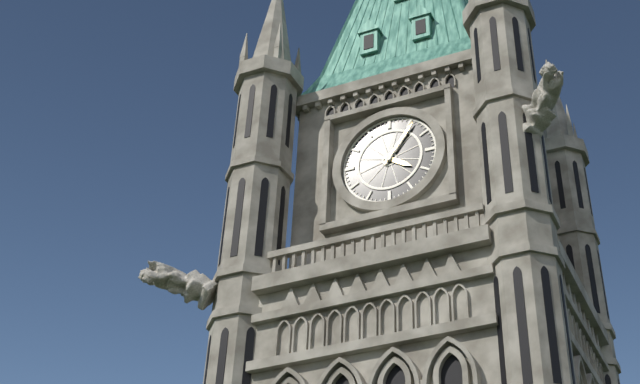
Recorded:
{"hour": 4, "minute": 6}
